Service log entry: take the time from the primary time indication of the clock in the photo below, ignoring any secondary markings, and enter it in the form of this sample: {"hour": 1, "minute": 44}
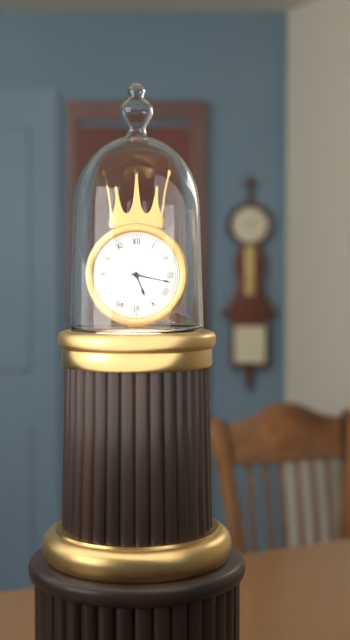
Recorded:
{"hour": 5, "minute": 17}
